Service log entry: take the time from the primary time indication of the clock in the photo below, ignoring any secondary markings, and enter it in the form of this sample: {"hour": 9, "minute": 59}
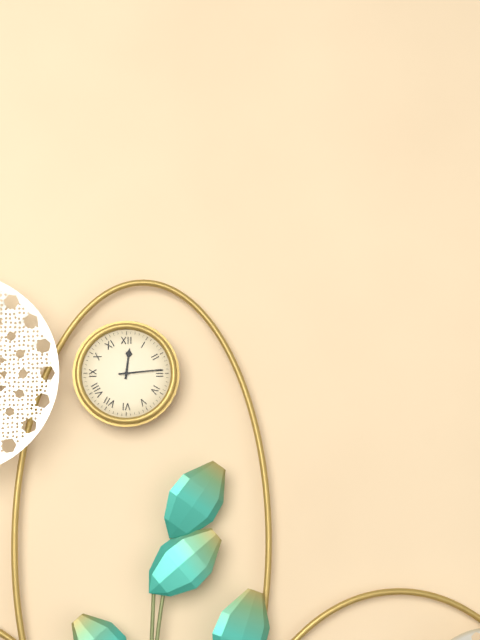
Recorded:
{"hour": 12, "minute": 14}
